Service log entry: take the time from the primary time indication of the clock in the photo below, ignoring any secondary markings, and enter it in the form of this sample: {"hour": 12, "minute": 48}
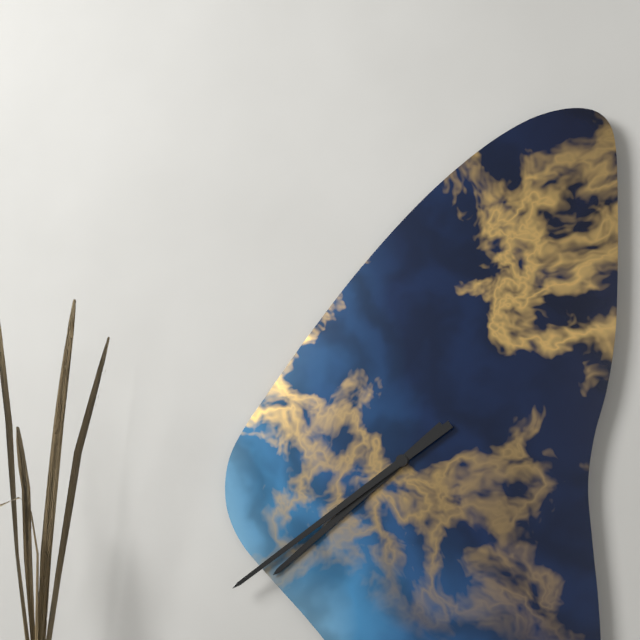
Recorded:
{"hour": 7, "minute": 39}
